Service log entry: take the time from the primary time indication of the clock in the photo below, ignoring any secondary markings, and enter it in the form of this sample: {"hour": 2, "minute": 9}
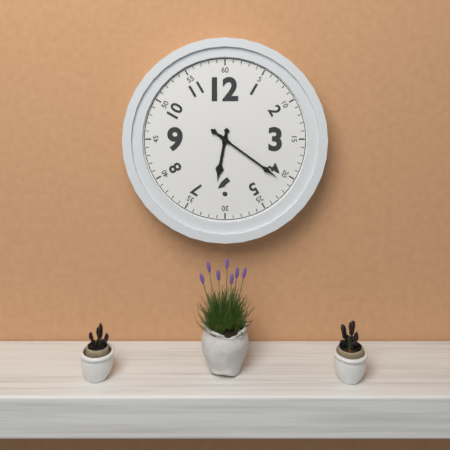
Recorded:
{"hour": 6, "minute": 21}
